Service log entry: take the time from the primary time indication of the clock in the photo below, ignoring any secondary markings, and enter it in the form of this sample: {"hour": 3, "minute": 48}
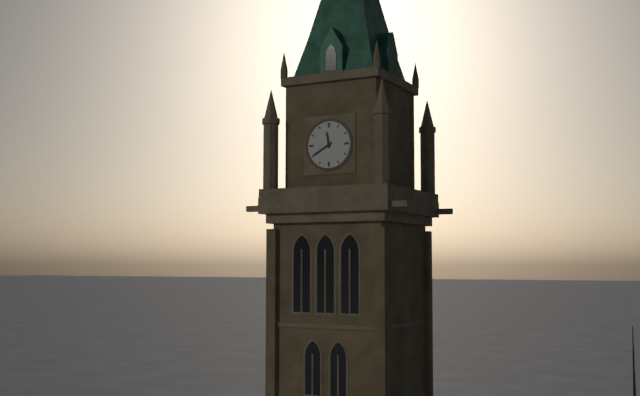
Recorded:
{"hour": 11, "minute": 40}
